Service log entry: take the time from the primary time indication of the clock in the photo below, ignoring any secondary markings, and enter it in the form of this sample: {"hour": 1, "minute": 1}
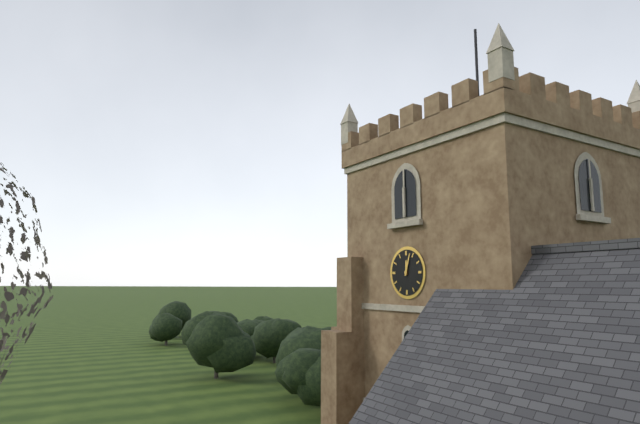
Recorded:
{"hour": 12, "minute": 3}
